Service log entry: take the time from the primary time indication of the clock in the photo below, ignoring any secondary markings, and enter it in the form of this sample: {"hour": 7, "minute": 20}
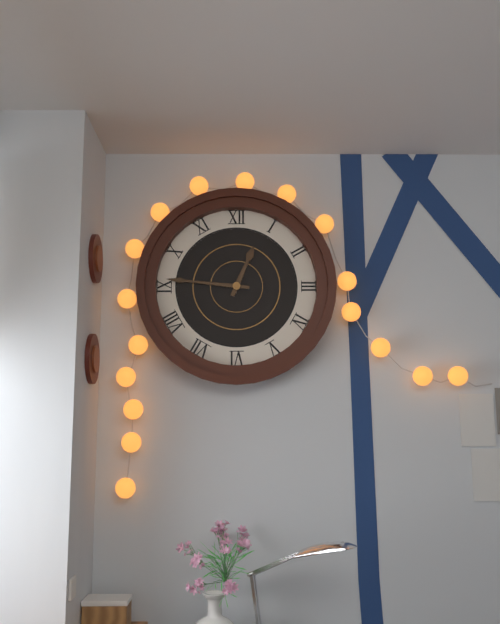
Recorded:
{"hour": 12, "minute": 46}
